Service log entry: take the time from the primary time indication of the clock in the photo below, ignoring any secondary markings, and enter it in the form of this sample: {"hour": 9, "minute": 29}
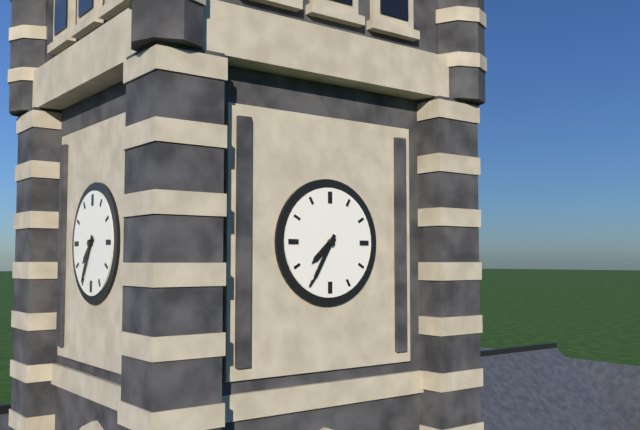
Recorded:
{"hour": 7, "minute": 35}
